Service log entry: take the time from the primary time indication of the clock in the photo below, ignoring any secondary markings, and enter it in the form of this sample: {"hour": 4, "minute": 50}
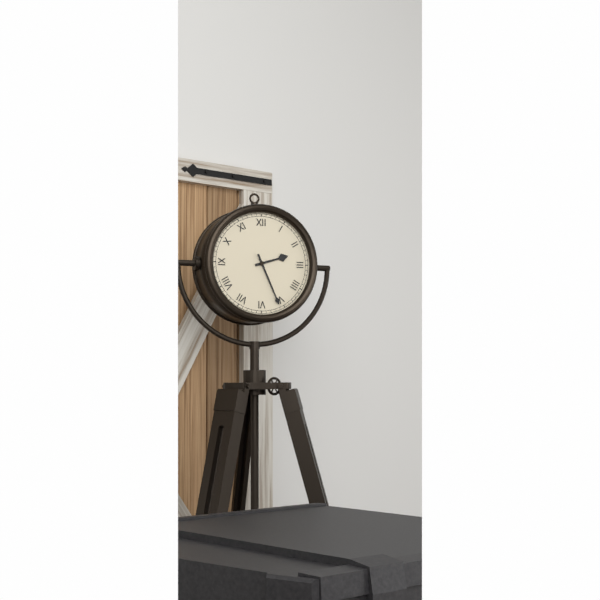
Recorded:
{"hour": 2, "minute": 26}
